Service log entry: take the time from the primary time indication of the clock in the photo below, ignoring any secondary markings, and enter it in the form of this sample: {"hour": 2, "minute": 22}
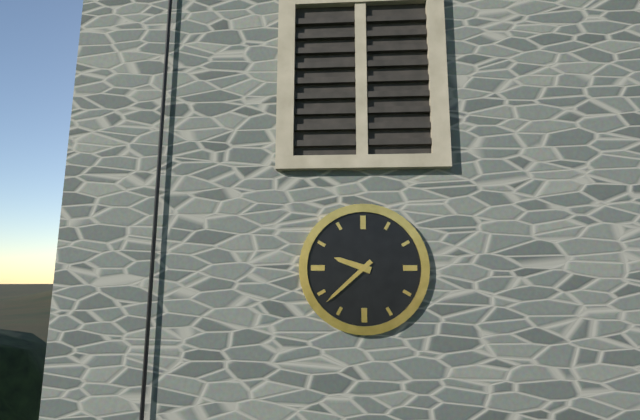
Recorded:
{"hour": 9, "minute": 38}
